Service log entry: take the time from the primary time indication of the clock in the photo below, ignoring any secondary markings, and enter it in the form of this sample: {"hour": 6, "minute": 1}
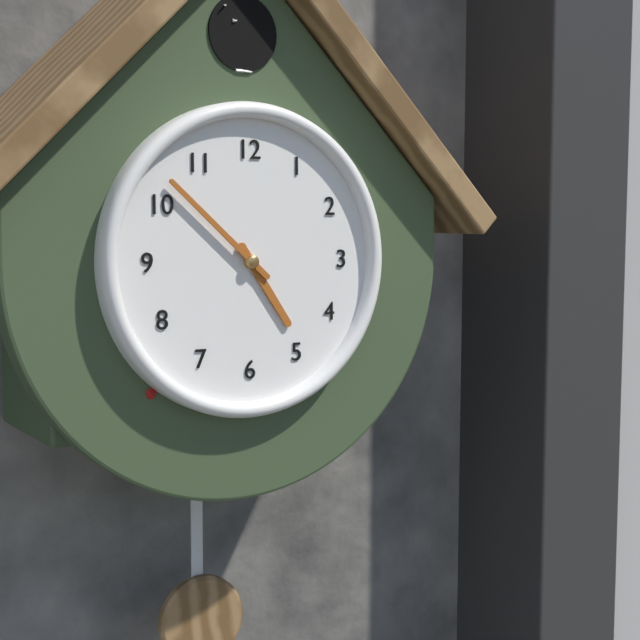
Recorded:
{"hour": 4, "minute": 52}
